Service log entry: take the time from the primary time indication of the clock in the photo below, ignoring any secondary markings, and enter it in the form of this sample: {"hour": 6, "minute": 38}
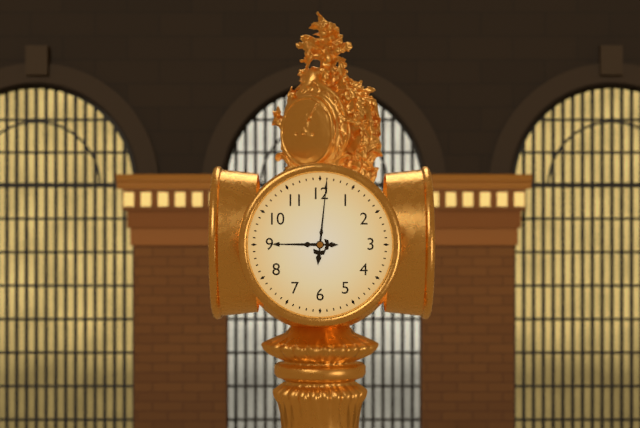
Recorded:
{"hour": 9, "minute": 1}
